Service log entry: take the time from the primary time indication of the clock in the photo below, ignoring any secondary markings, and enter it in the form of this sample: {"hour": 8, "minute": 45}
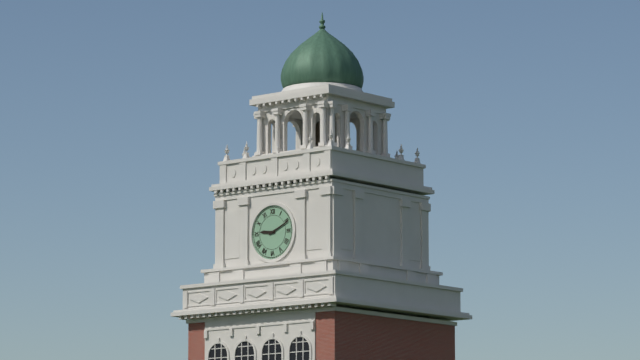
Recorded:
{"hour": 9, "minute": 11}
